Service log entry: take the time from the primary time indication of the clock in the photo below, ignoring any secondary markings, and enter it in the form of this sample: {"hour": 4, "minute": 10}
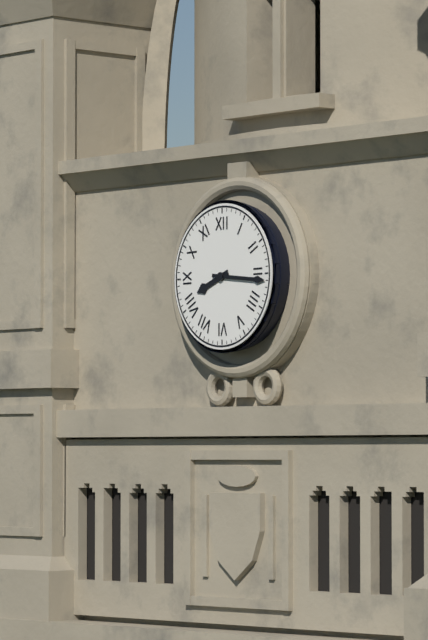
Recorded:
{"hour": 8, "minute": 16}
